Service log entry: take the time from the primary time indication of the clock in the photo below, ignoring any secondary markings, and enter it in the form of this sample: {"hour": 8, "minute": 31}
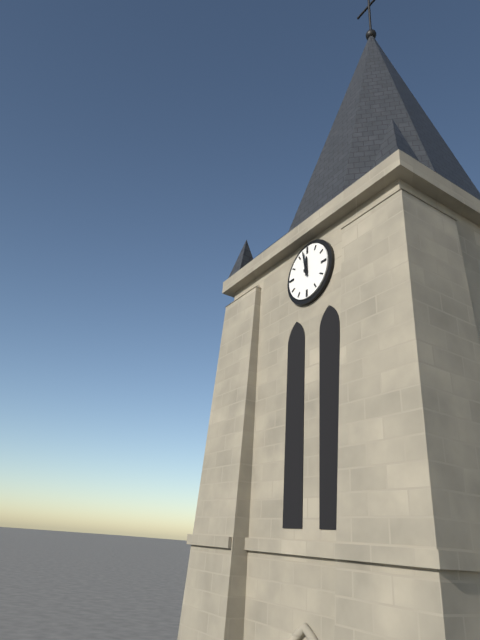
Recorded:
{"hour": 11, "minute": 58}
